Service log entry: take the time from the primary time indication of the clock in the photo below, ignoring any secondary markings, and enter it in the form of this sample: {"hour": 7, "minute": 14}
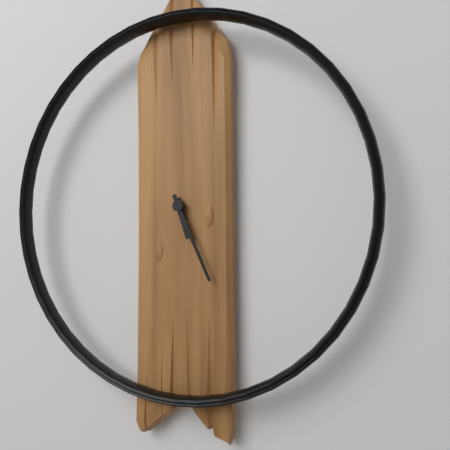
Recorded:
{"hour": 5, "minute": 26}
